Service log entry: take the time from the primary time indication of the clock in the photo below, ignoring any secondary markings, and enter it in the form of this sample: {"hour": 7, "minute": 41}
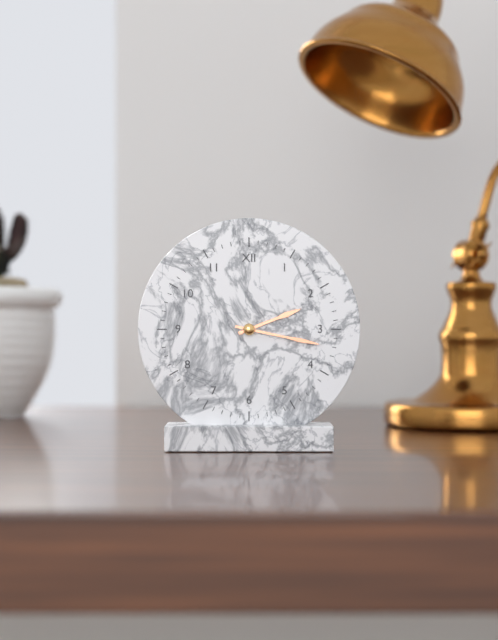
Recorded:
{"hour": 2, "minute": 17}
